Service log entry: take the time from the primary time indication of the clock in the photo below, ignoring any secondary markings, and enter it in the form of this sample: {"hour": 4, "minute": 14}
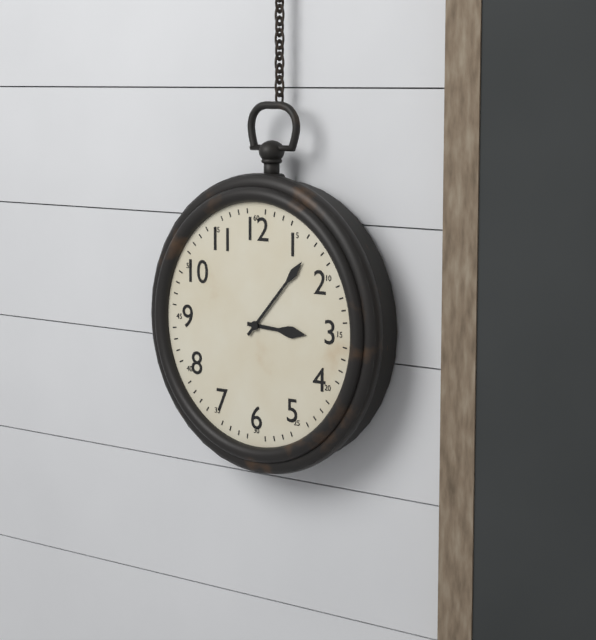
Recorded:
{"hour": 3, "minute": 7}
